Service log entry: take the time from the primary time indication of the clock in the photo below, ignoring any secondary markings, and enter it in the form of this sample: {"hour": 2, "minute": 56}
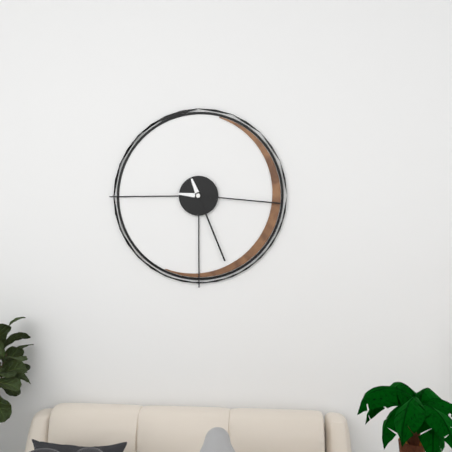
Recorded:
{"hour": 5, "minute": 16}
